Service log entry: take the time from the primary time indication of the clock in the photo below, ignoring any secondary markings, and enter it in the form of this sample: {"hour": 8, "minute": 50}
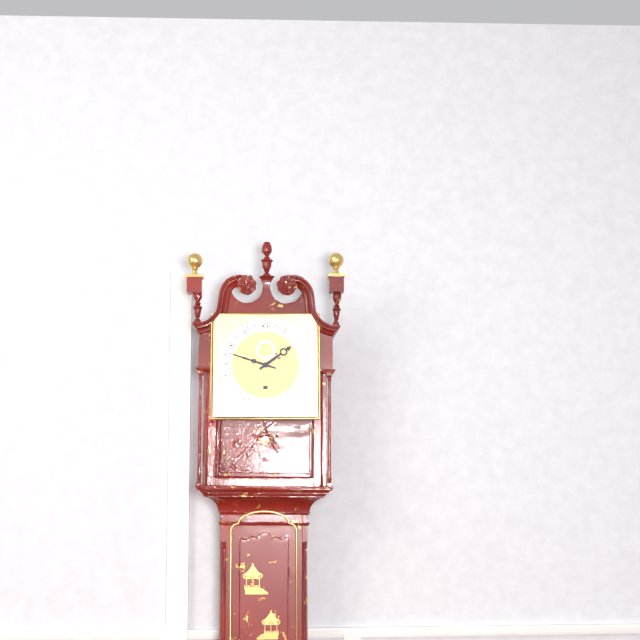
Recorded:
{"hour": 1, "minute": 48}
